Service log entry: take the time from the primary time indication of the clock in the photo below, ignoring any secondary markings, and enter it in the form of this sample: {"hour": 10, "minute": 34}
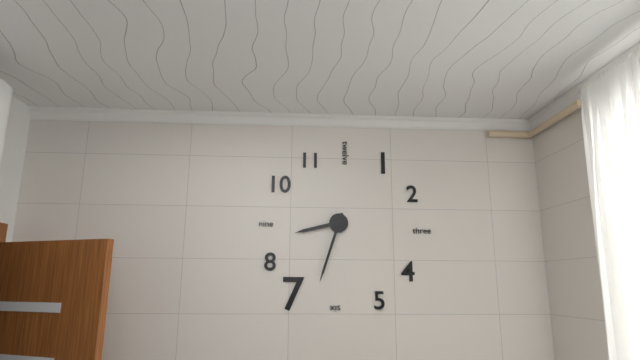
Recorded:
{"hour": 8, "minute": 33}
